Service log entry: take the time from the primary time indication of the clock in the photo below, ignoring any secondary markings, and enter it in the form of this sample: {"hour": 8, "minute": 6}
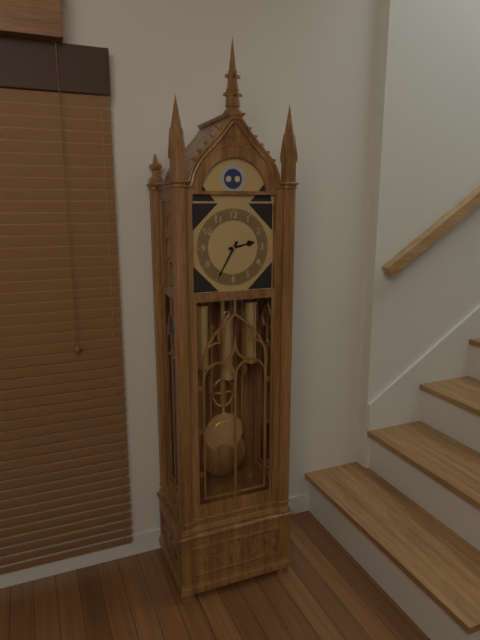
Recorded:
{"hour": 2, "minute": 35}
